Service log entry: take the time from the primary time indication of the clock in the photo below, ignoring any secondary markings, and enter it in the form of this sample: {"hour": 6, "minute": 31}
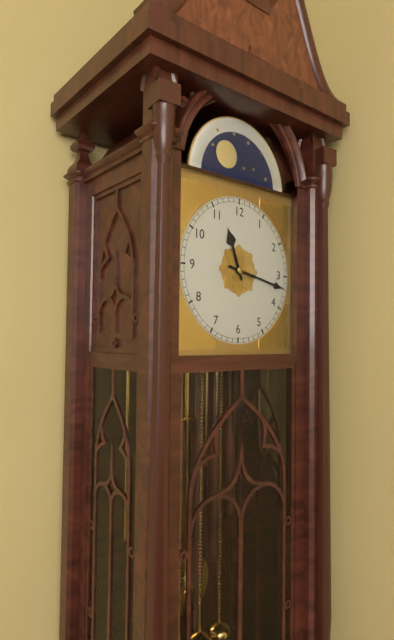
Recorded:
{"hour": 11, "minute": 17}
